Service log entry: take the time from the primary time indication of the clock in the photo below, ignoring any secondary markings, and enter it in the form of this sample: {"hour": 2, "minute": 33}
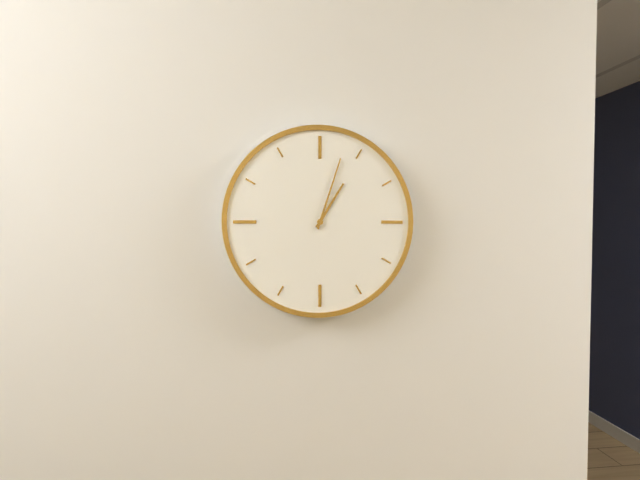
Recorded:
{"hour": 1, "minute": 3}
